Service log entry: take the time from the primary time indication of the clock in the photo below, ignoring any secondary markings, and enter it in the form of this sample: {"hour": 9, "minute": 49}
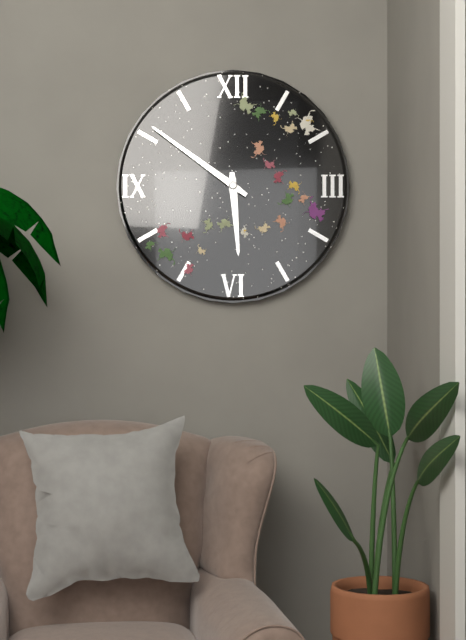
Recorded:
{"hour": 5, "minute": 51}
